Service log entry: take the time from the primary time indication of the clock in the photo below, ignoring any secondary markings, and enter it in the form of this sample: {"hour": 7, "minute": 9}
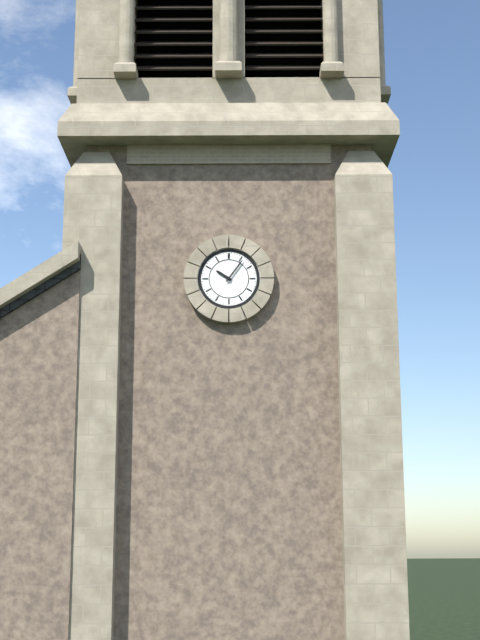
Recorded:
{"hour": 10, "minute": 6}
